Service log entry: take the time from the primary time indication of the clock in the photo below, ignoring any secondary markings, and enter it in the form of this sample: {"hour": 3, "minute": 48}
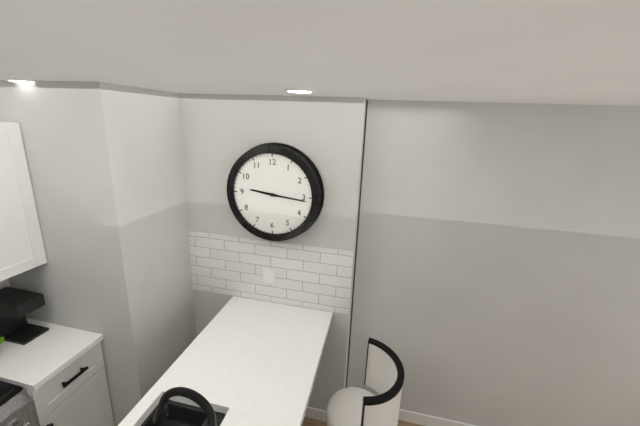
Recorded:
{"hour": 9, "minute": 16}
